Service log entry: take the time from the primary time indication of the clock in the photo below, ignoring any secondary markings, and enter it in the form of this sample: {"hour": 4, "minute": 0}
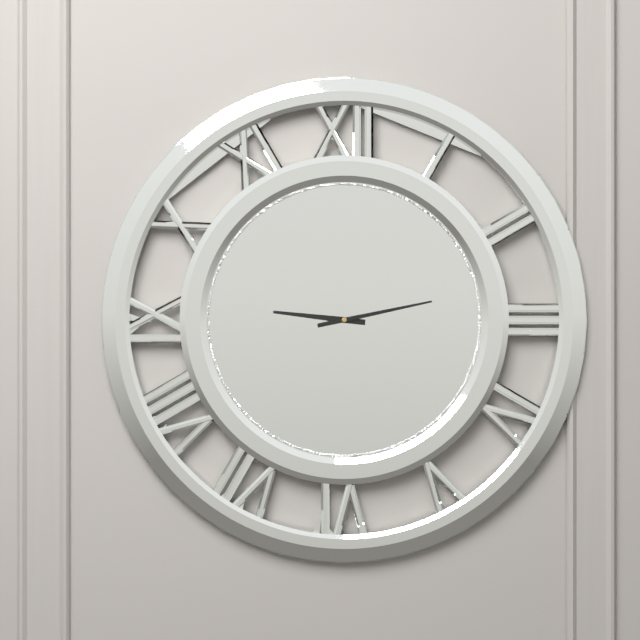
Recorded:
{"hour": 9, "minute": 13}
